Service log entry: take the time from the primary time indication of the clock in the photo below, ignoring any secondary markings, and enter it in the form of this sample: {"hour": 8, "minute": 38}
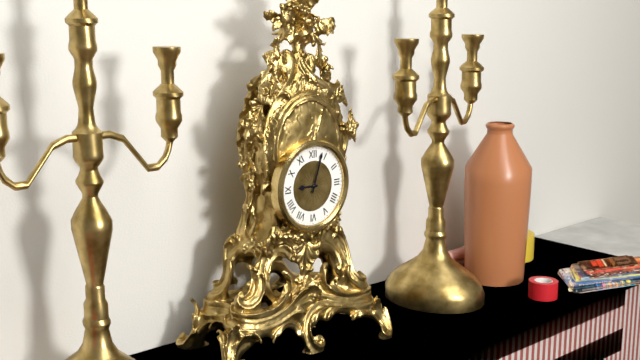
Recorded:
{"hour": 9, "minute": 3}
